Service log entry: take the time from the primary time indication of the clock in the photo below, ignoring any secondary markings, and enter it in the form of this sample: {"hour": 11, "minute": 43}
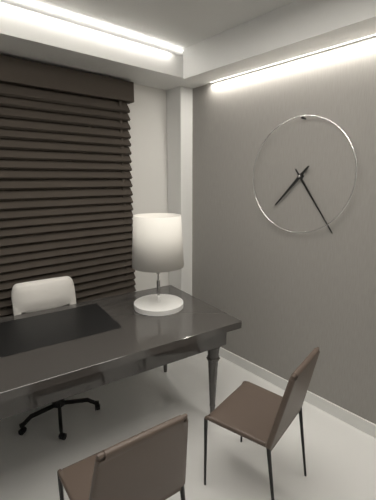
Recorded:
{"hour": 7, "minute": 24}
